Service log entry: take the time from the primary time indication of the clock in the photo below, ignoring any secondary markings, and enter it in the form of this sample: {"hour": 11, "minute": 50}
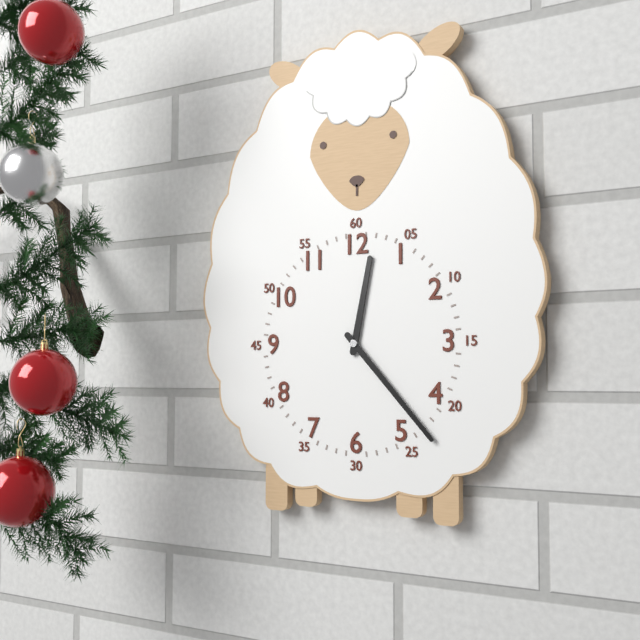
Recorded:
{"hour": 12, "minute": 23}
